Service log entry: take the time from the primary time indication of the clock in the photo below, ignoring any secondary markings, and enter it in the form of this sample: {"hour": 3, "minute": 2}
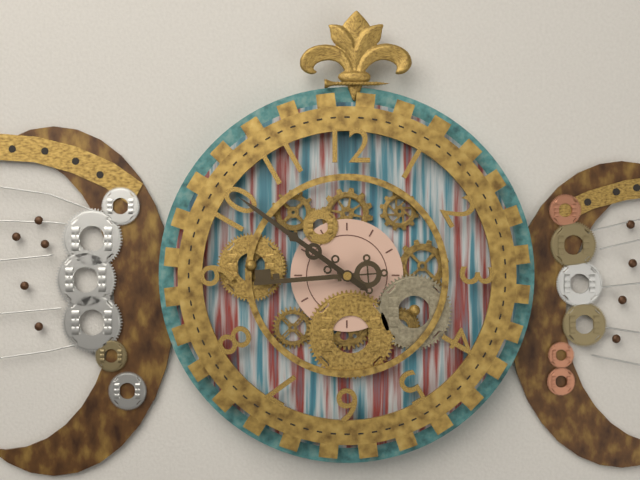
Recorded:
{"hour": 8, "minute": 51}
